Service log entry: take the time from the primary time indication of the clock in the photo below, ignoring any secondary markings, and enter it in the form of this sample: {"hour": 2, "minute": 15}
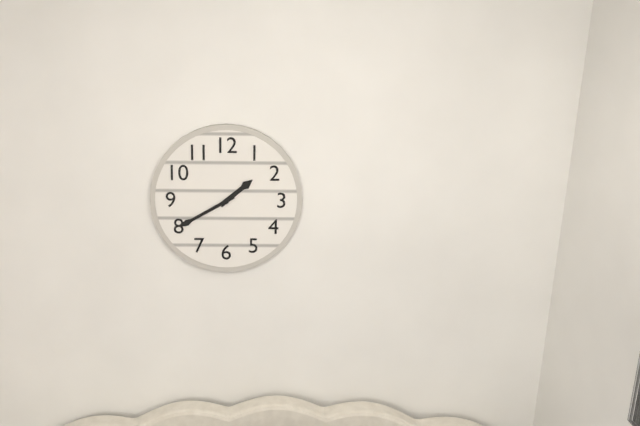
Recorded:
{"hour": 1, "minute": 40}
